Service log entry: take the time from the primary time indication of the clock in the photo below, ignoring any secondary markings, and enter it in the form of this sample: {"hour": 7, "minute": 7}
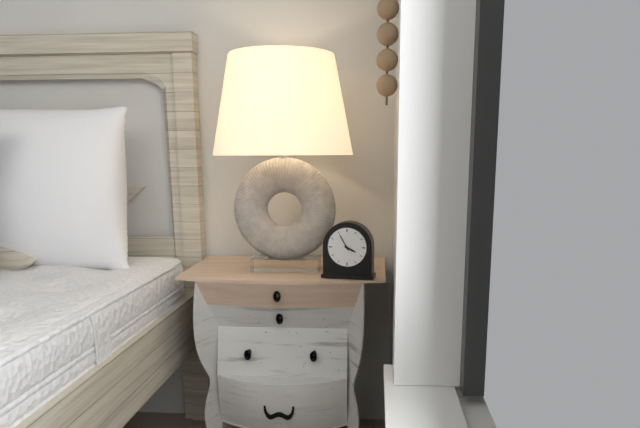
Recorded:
{"hour": 3, "minute": 55}
